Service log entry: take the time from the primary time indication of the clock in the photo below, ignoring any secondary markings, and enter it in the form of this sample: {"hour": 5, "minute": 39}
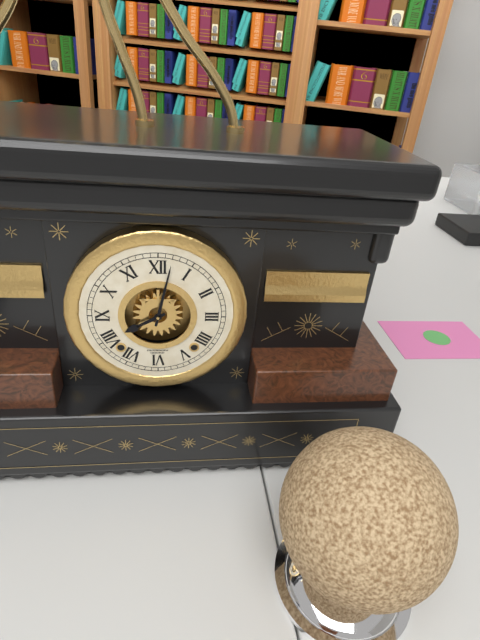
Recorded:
{"hour": 8, "minute": 2}
